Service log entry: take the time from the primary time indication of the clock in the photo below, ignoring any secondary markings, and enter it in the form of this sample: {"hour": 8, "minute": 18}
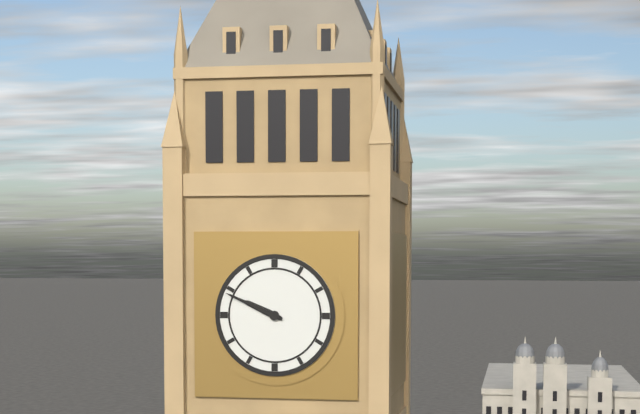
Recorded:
{"hour": 9, "minute": 49}
